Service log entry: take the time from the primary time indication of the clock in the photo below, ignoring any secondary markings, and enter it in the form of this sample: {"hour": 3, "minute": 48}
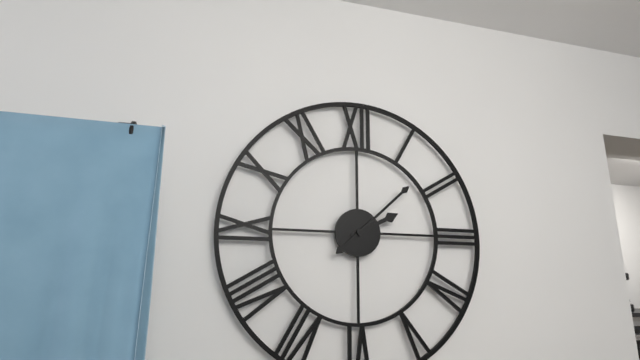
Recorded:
{"hour": 2, "minute": 8}
